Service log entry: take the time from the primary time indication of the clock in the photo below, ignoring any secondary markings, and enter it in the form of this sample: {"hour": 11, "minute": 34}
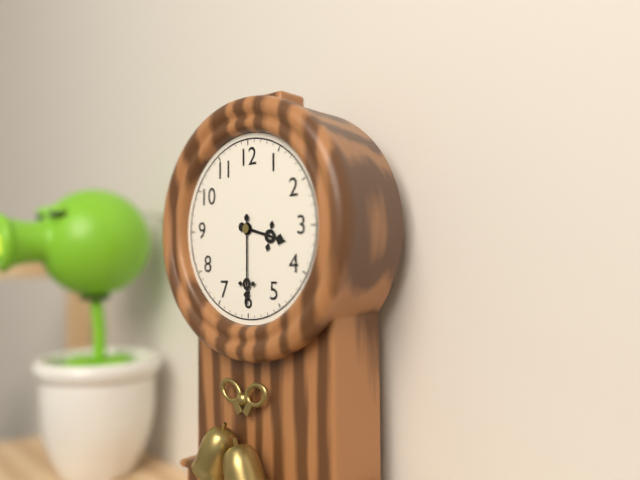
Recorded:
{"hour": 3, "minute": 30}
